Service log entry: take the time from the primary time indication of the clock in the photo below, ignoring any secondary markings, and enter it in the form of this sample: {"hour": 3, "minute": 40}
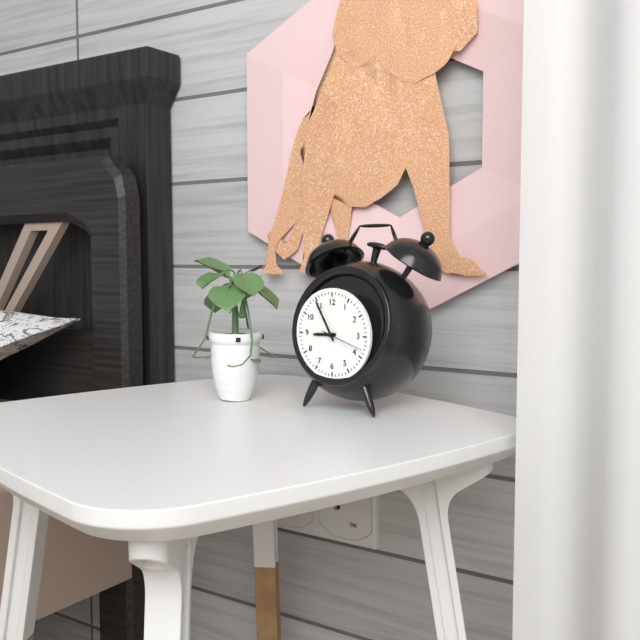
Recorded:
{"hour": 8, "minute": 55}
